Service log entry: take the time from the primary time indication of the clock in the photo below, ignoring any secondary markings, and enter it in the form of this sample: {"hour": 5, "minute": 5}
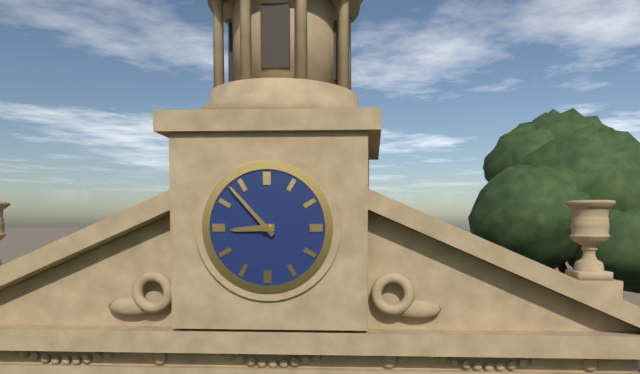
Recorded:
{"hour": 8, "minute": 53}
